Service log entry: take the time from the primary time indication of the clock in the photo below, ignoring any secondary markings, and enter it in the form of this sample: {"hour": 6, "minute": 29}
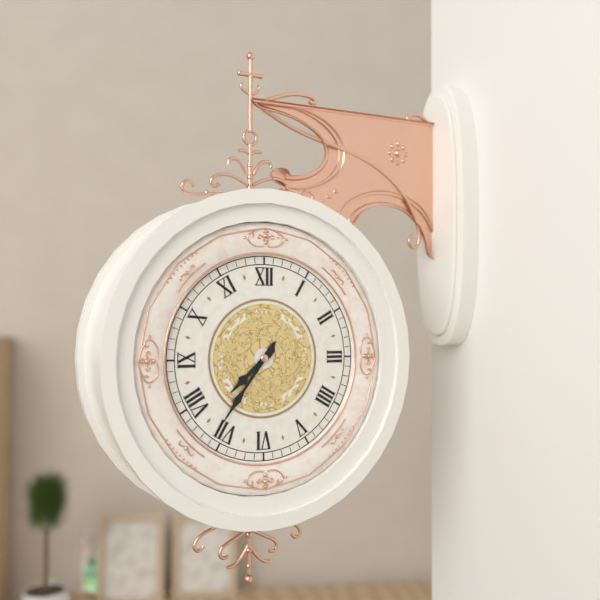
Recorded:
{"hour": 7, "minute": 36}
